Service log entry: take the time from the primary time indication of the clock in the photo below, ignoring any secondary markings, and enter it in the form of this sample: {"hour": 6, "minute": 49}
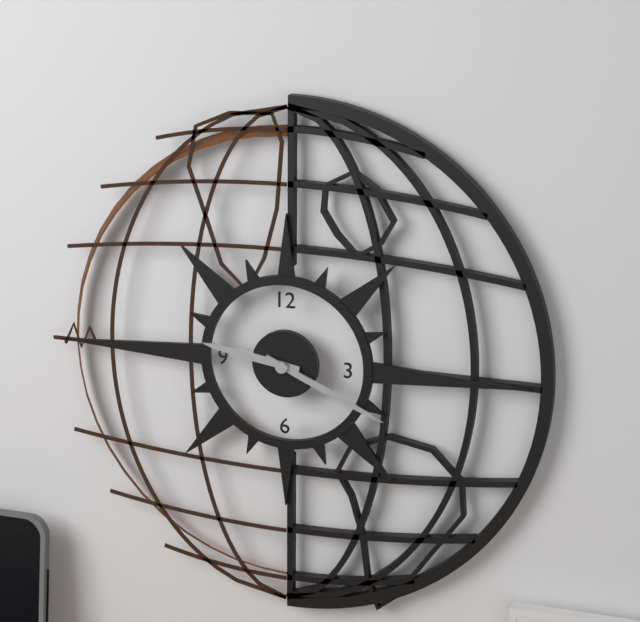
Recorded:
{"hour": 9, "minute": 19}
